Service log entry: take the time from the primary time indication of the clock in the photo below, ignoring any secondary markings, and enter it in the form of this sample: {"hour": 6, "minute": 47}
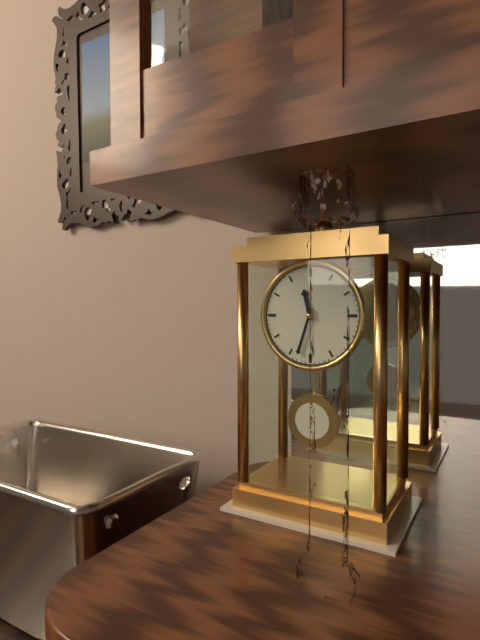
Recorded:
{"hour": 11, "minute": 33}
